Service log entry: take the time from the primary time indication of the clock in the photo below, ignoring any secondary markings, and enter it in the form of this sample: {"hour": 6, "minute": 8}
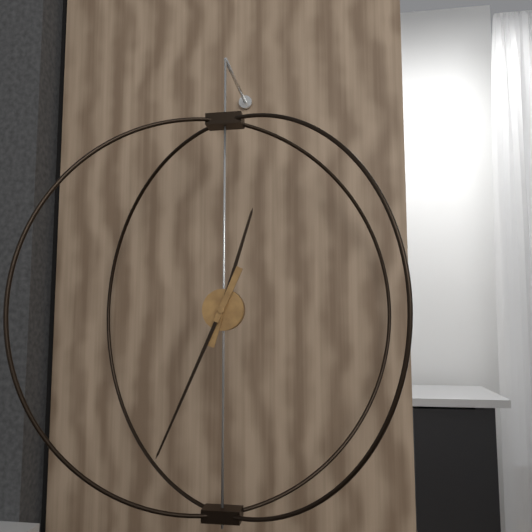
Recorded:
{"hour": 12, "minute": 34}
